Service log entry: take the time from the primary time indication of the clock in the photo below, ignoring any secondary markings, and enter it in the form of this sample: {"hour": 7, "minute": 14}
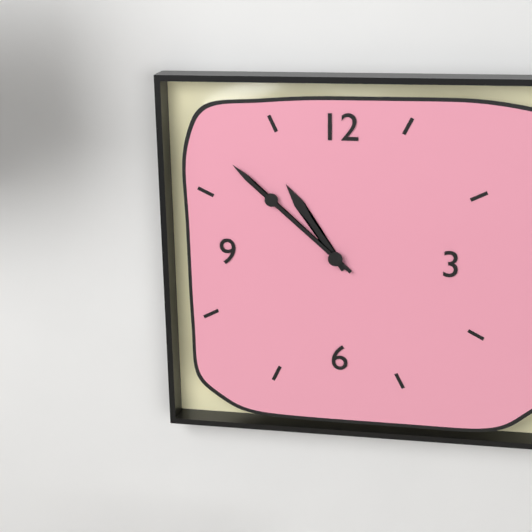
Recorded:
{"hour": 10, "minute": 52}
